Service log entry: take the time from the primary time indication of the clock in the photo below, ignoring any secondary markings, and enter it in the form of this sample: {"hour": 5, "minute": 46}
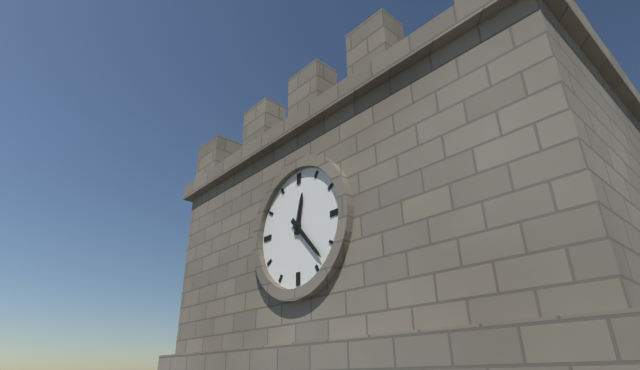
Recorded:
{"hour": 12, "minute": 23}
